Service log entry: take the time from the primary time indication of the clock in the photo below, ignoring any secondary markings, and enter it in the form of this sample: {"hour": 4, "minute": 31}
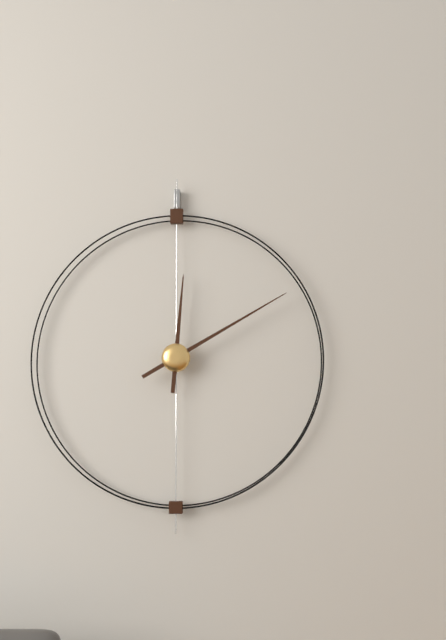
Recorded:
{"hour": 12, "minute": 10}
